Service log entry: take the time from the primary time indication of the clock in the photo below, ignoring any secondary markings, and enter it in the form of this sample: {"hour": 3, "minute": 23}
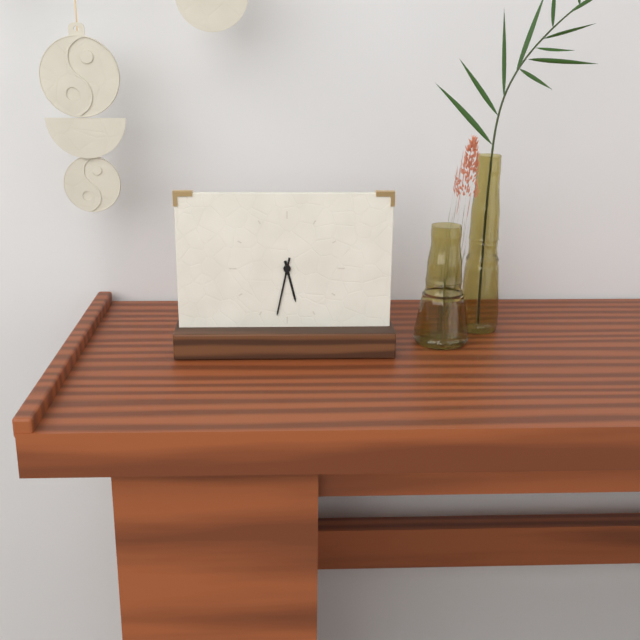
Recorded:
{"hour": 5, "minute": 32}
